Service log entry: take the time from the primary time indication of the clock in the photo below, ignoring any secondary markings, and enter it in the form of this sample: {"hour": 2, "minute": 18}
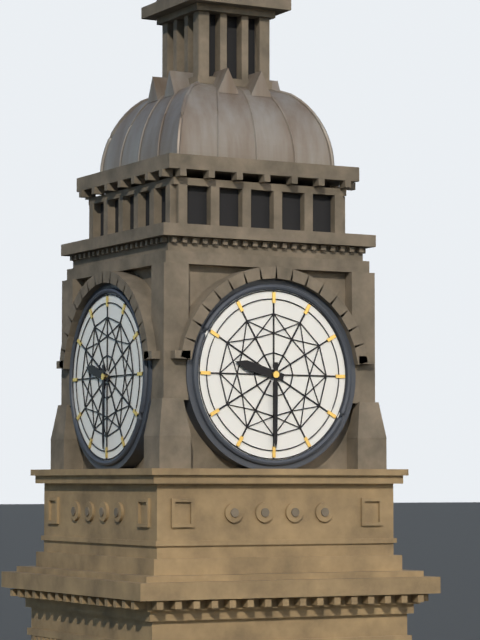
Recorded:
{"hour": 9, "minute": 30}
